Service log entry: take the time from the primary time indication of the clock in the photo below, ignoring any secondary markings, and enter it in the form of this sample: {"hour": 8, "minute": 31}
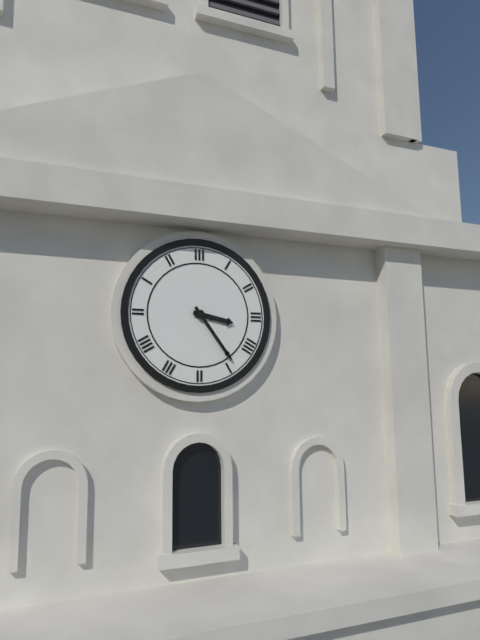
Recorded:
{"hour": 3, "minute": 24}
